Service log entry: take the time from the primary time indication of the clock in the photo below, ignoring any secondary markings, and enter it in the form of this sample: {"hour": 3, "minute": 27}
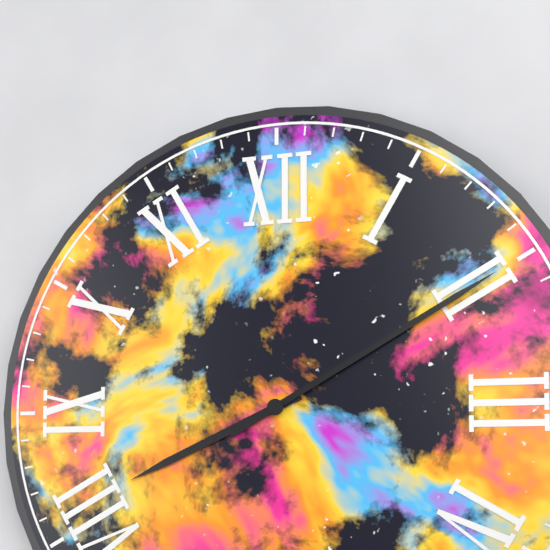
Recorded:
{"hour": 8, "minute": 10}
